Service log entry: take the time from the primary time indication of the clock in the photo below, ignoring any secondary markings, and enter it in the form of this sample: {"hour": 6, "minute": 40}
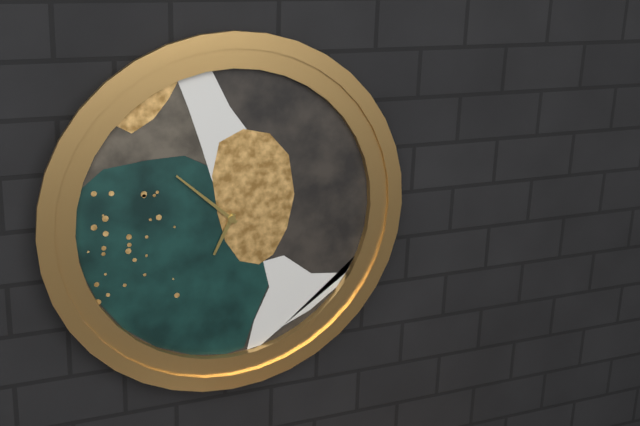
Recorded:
{"hour": 6, "minute": 52}
